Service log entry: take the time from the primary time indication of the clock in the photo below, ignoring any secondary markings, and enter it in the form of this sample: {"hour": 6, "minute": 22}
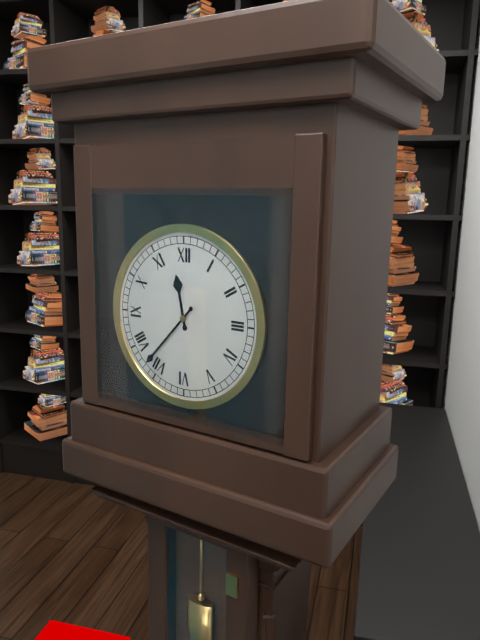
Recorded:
{"hour": 11, "minute": 37}
